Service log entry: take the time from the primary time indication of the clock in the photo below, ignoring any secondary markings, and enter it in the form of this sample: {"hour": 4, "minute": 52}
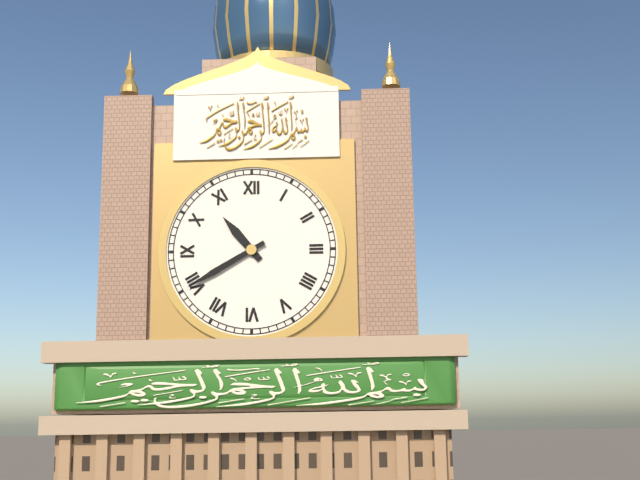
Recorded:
{"hour": 10, "minute": 40}
